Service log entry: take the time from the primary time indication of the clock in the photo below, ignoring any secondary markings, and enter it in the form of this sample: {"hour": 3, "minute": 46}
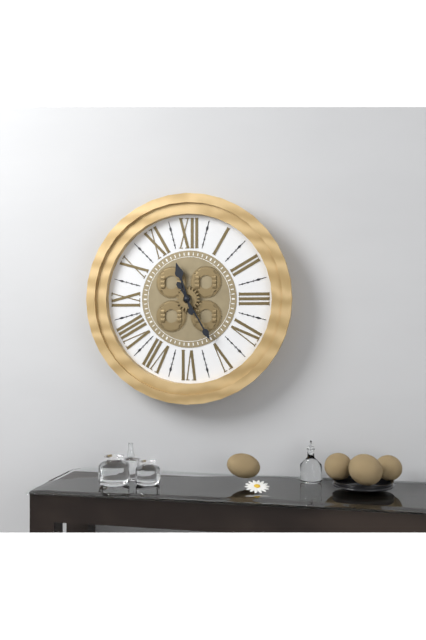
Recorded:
{"hour": 11, "minute": 25}
